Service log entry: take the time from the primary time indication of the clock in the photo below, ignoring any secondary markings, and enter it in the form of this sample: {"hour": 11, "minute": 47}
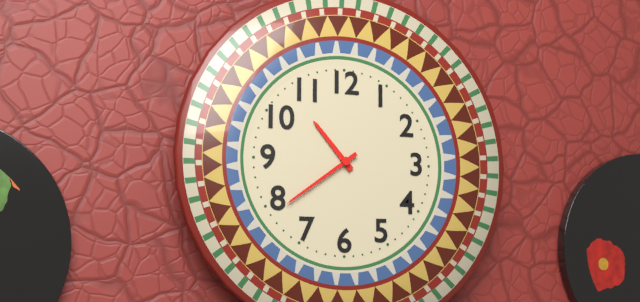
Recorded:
{"hour": 10, "minute": 39}
